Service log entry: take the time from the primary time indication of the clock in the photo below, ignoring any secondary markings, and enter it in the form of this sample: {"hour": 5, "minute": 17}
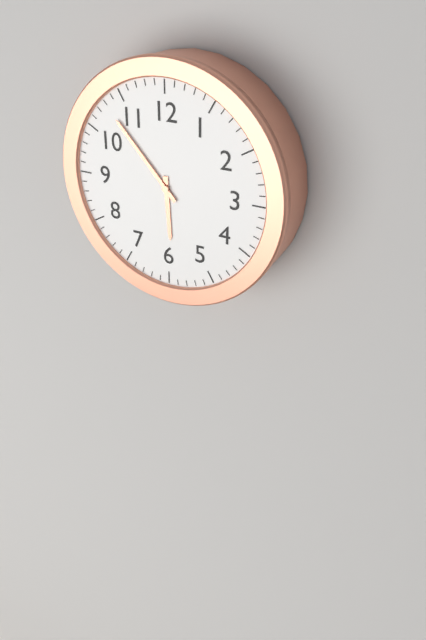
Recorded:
{"hour": 5, "minute": 53}
